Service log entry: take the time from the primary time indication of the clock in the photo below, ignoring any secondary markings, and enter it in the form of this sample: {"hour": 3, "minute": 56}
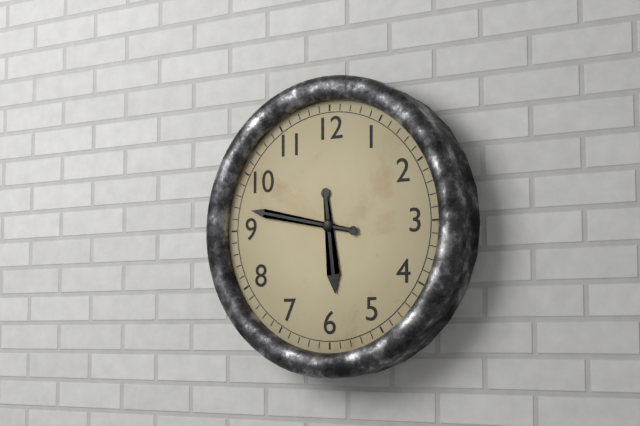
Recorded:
{"hour": 5, "minute": 47}
